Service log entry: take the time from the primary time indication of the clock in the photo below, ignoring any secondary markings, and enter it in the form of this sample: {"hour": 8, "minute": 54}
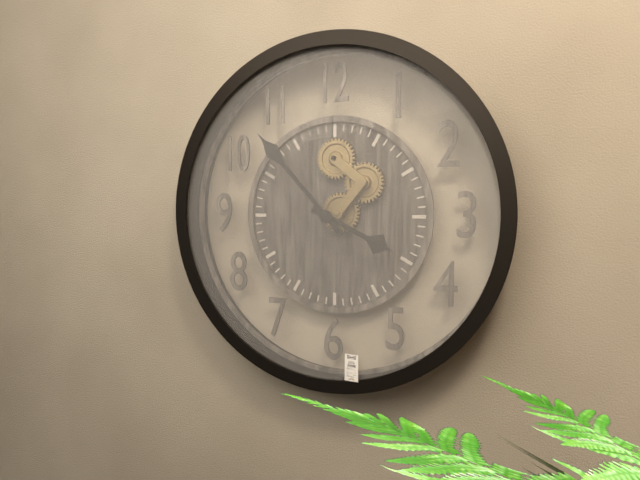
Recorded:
{"hour": 3, "minute": 53}
